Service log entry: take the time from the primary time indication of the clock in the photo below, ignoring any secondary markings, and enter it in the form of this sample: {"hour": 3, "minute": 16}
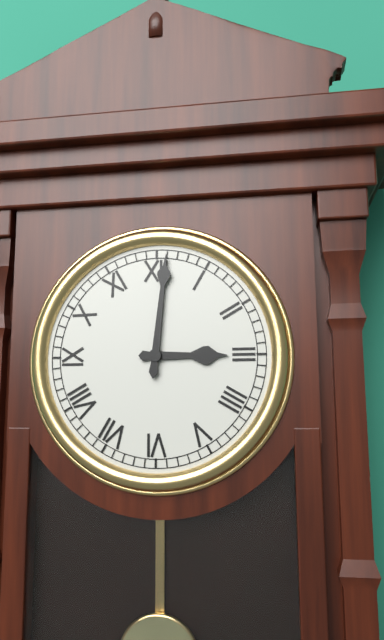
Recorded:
{"hour": 3, "minute": 1}
